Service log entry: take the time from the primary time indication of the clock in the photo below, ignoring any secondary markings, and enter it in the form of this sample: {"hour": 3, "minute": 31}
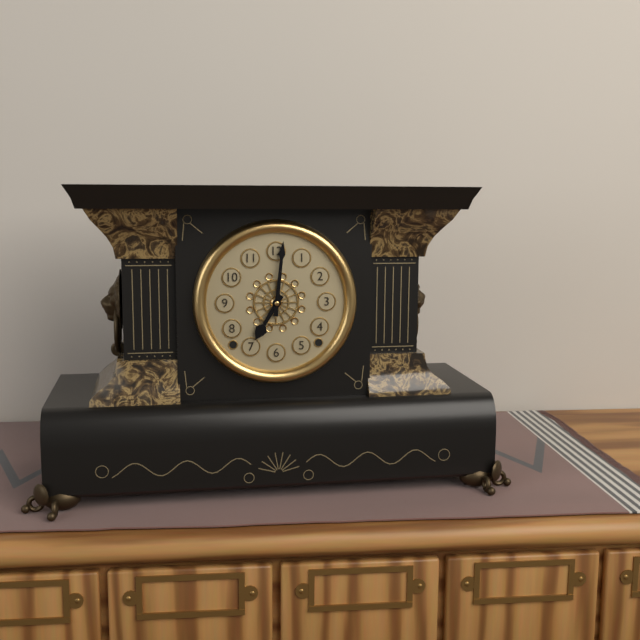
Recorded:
{"hour": 7, "minute": 1}
